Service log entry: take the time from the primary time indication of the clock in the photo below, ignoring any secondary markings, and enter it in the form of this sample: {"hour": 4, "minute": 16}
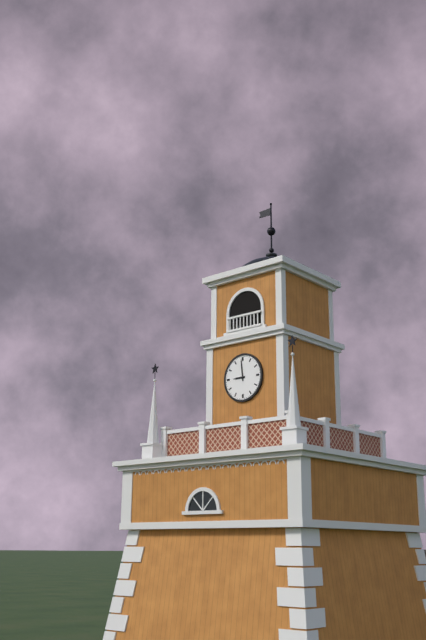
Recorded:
{"hour": 8, "minute": 59}
